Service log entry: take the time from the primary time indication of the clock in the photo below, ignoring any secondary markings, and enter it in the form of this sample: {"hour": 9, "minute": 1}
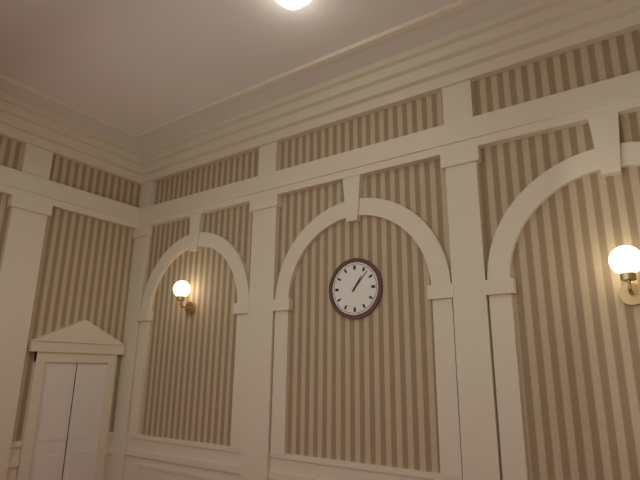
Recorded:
{"hour": 1, "minute": 7}
